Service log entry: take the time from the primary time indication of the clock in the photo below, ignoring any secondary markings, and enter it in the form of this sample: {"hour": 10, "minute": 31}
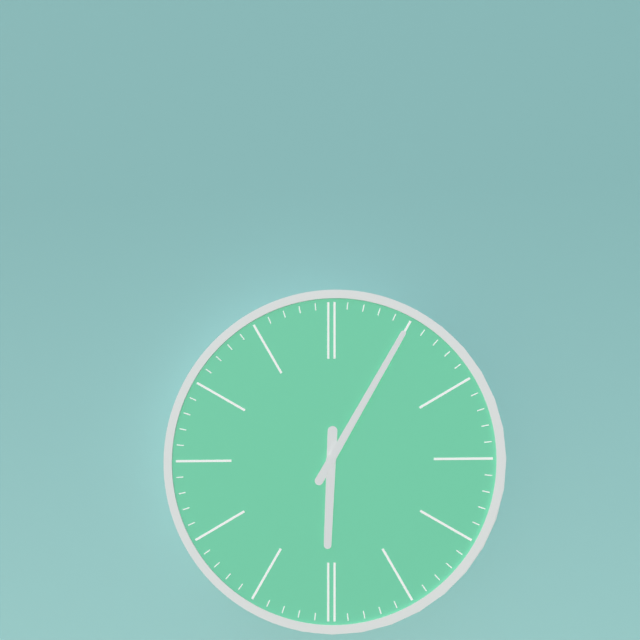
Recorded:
{"hour": 6, "minute": 5}
